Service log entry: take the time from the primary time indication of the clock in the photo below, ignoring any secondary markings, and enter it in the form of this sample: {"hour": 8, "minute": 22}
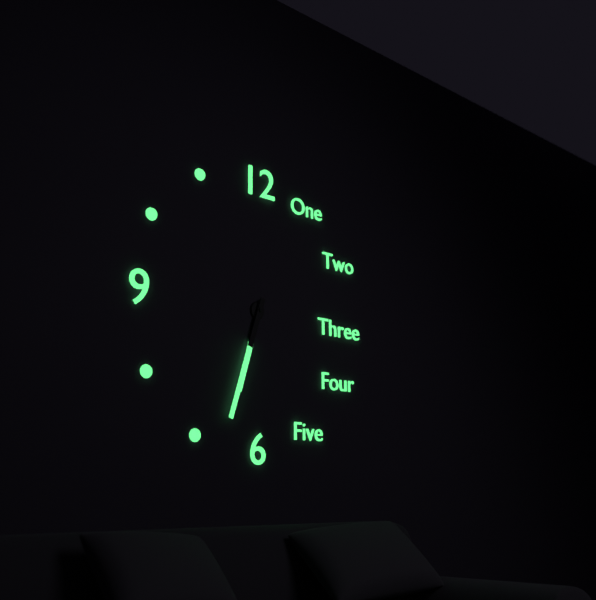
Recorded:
{"hour": 6, "minute": 33}
